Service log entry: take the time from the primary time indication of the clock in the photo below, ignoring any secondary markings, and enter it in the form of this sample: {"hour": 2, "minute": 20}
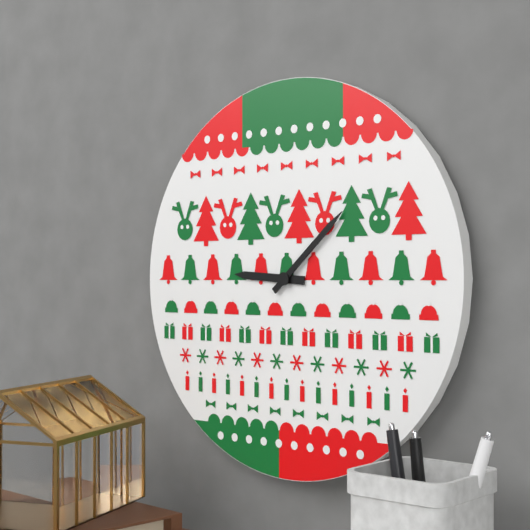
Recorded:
{"hour": 9, "minute": 8}
